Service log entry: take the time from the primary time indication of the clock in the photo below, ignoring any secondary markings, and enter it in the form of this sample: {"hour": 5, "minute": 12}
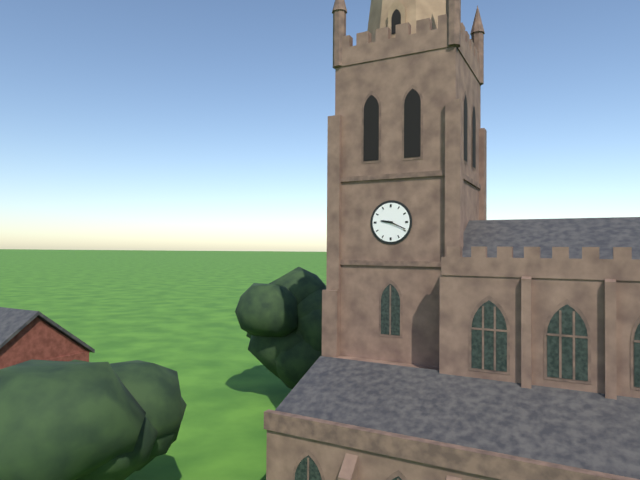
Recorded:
{"hour": 9, "minute": 19}
